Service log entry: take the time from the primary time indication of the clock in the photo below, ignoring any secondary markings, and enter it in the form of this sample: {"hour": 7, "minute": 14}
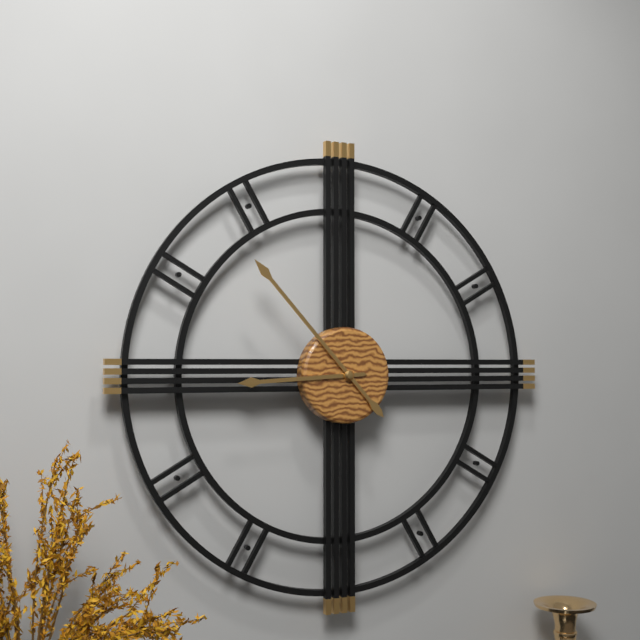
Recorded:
{"hour": 8, "minute": 53}
